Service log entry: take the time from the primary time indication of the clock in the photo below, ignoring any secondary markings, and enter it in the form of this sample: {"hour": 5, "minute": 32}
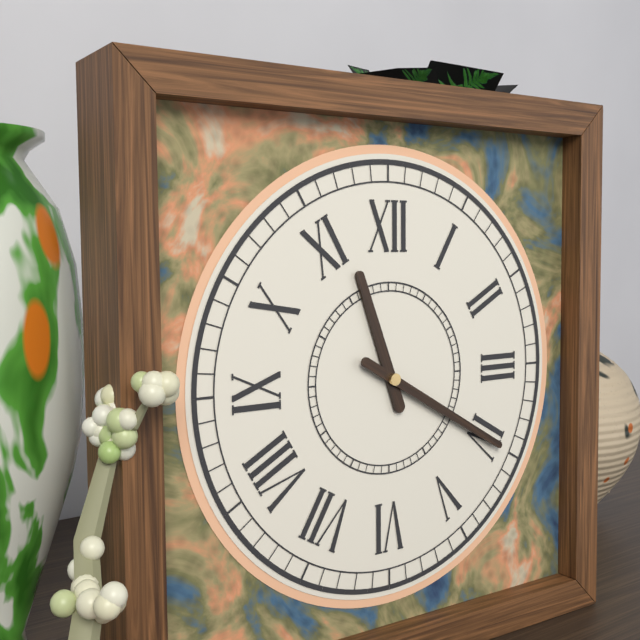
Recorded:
{"hour": 11, "minute": 20}
